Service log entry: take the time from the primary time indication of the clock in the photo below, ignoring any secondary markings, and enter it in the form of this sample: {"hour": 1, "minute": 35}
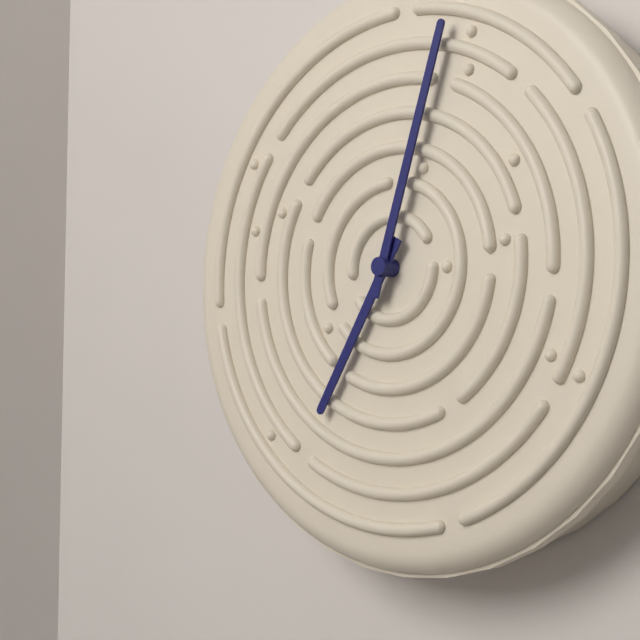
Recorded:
{"hour": 7, "minute": 3}
